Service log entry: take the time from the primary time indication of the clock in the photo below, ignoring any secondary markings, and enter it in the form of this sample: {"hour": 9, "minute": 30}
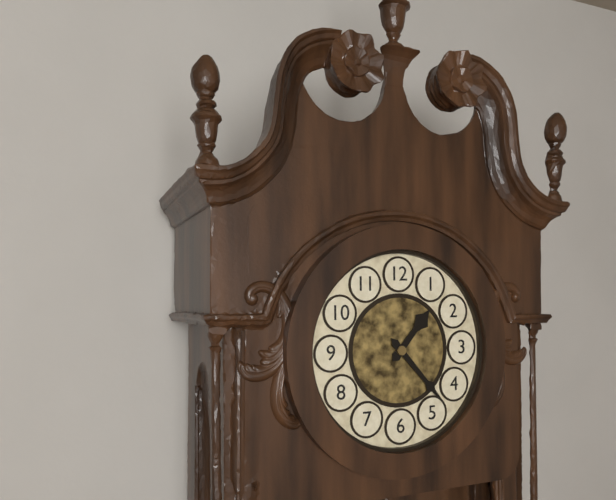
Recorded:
{"hour": 1, "minute": 23}
